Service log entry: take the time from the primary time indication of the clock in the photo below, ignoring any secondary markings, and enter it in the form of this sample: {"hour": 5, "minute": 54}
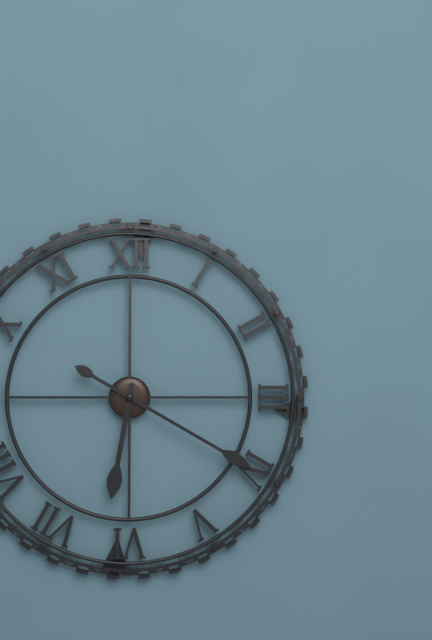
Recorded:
{"hour": 6, "minute": 20}
